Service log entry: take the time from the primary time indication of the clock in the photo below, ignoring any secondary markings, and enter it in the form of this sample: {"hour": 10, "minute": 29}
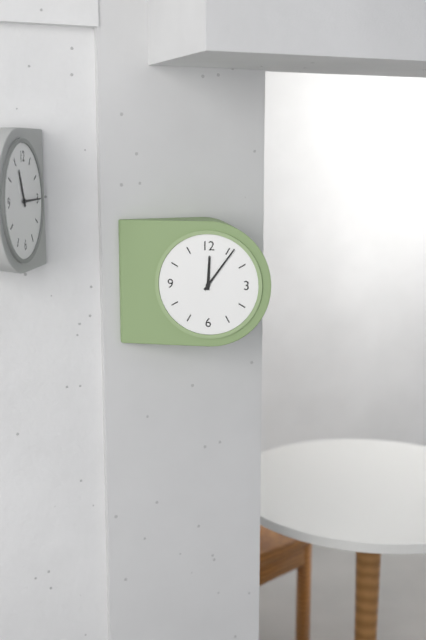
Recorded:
{"hour": 12, "minute": 6}
